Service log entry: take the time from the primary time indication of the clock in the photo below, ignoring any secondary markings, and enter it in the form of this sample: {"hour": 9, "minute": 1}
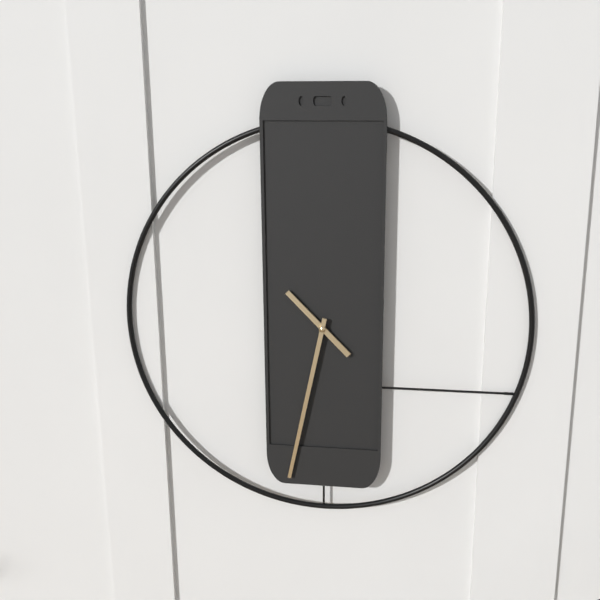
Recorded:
{"hour": 10, "minute": 32}
